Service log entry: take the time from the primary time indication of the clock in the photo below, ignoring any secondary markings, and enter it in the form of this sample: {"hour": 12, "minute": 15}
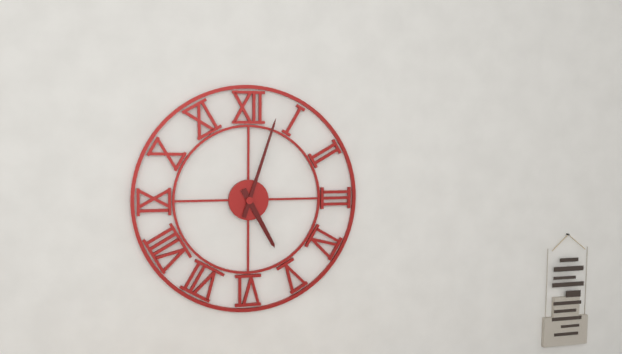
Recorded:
{"hour": 5, "minute": 3}
